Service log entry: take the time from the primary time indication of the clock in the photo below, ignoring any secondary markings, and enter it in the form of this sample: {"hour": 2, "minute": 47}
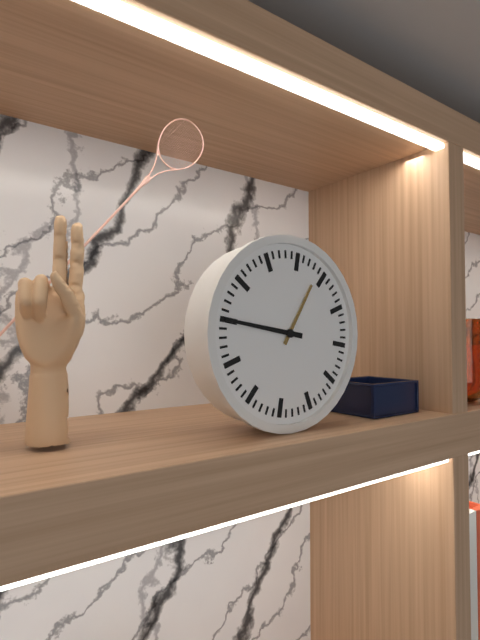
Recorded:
{"hour": 12, "minute": 45}
